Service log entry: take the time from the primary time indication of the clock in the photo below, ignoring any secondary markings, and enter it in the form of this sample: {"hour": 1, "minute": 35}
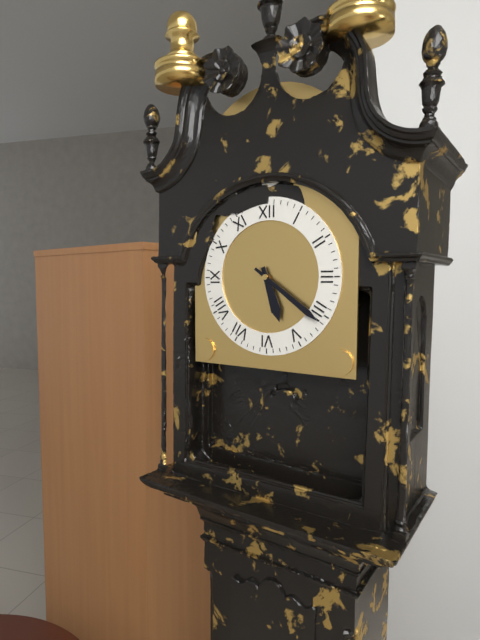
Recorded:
{"hour": 5, "minute": 21}
